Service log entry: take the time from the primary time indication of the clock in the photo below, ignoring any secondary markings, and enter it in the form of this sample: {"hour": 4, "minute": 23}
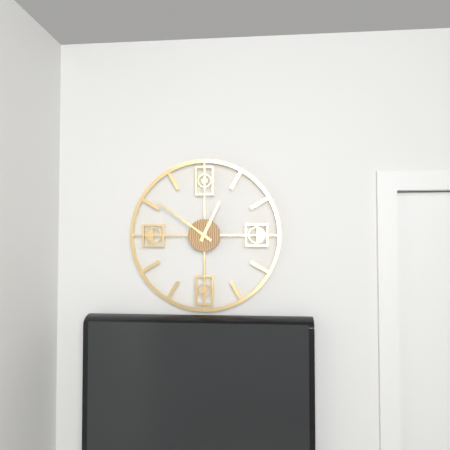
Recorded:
{"hour": 12, "minute": 51}
